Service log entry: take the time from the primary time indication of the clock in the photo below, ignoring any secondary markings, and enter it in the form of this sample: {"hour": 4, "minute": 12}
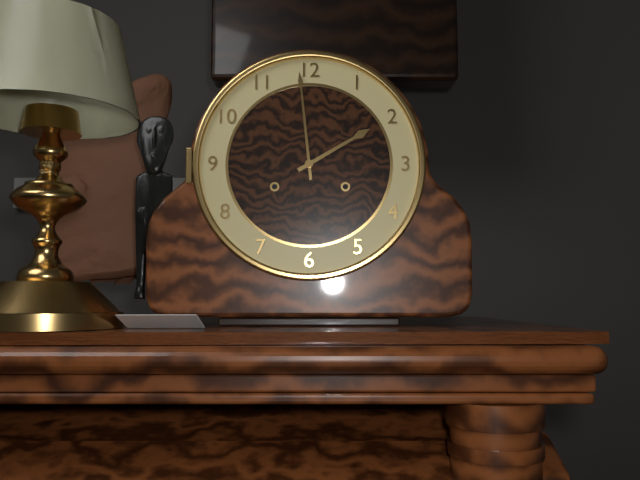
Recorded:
{"hour": 1, "minute": 59}
